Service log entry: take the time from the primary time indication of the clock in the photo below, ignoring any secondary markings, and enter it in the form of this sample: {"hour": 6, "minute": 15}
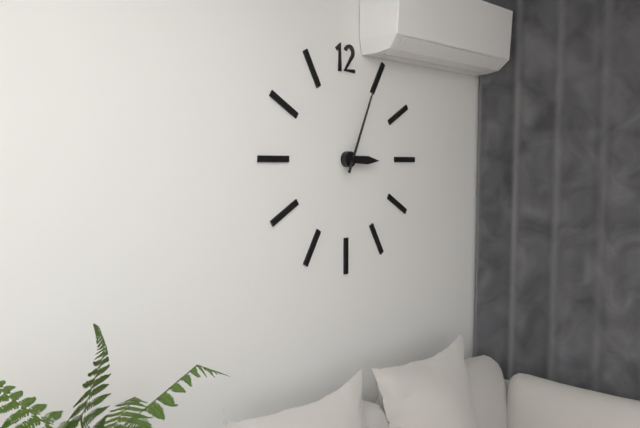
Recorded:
{"hour": 3, "minute": 4}
